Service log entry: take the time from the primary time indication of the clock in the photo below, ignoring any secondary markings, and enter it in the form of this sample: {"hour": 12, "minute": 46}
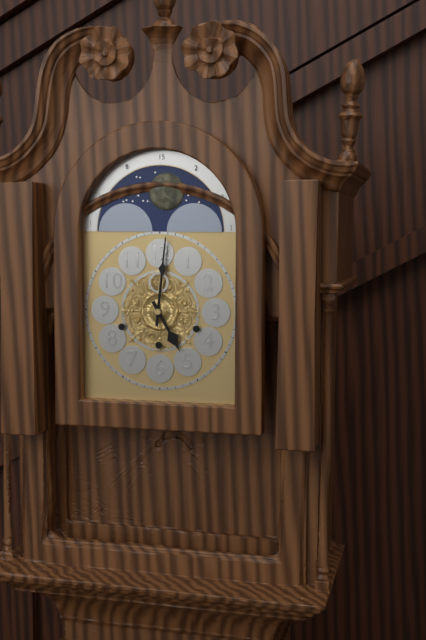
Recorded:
{"hour": 5, "minute": 1}
